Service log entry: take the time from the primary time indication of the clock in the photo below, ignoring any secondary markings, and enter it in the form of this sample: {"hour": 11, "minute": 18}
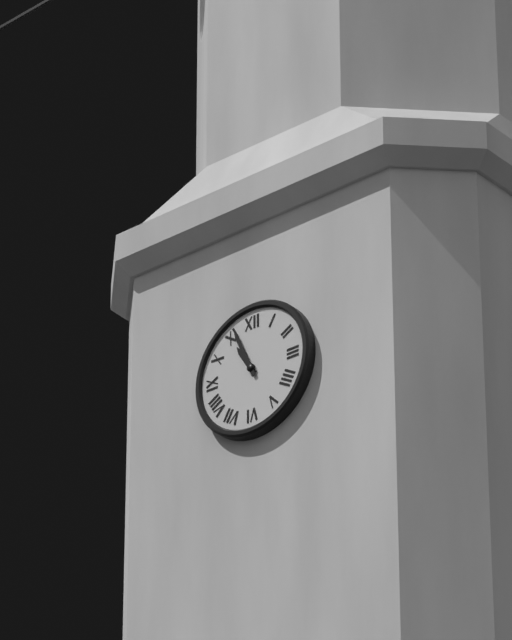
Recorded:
{"hour": 10, "minute": 56}
